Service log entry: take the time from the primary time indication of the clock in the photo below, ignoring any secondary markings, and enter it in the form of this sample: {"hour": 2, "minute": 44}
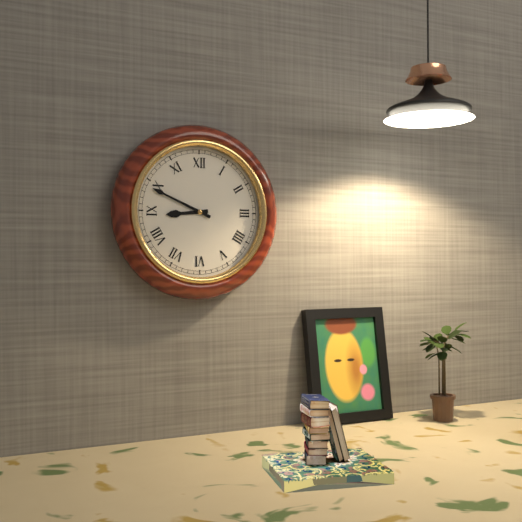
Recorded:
{"hour": 8, "minute": 49}
